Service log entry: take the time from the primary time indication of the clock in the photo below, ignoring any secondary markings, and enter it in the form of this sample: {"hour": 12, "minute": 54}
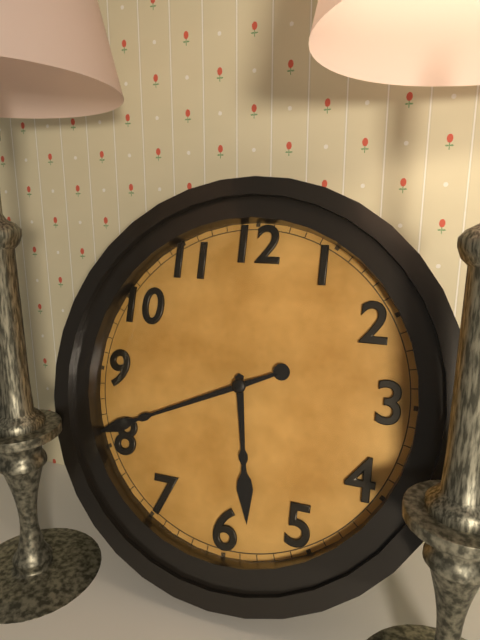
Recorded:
{"hour": 5, "minute": 41}
